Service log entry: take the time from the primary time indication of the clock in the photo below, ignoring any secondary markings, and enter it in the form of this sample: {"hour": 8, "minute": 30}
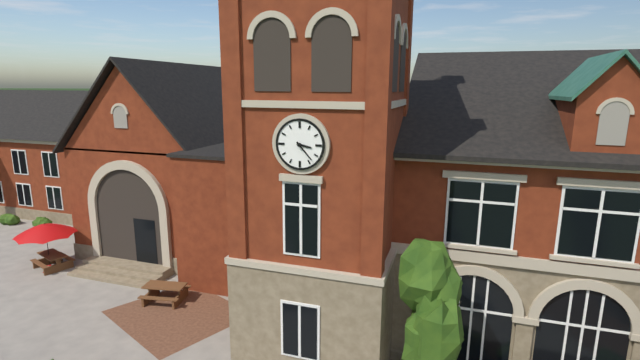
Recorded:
{"hour": 3, "minute": 23}
